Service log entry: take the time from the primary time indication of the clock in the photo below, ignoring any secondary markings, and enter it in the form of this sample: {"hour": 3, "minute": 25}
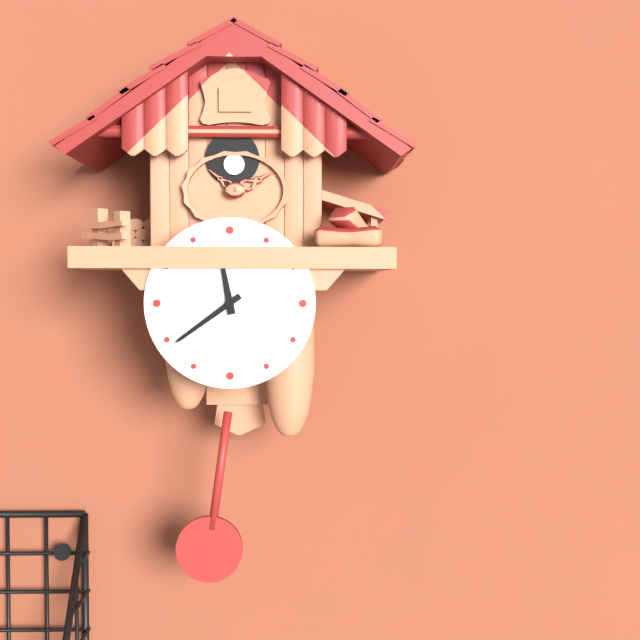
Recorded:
{"hour": 11, "minute": 39}
